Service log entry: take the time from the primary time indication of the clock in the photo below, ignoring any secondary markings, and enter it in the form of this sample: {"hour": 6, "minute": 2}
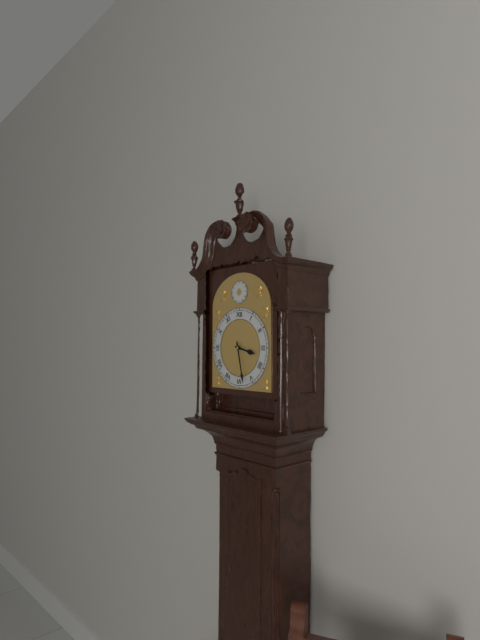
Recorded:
{"hour": 3, "minute": 28}
